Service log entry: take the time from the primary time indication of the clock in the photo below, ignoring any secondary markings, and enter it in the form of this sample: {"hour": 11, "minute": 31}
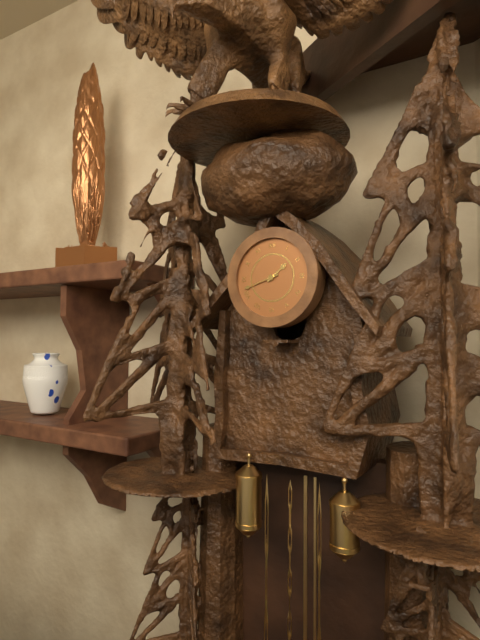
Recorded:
{"hour": 1, "minute": 42}
